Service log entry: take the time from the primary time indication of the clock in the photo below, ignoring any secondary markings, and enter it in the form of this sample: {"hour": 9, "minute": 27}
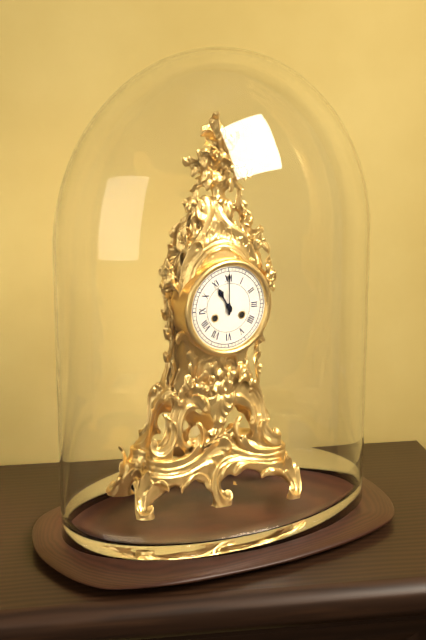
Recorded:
{"hour": 11, "minute": 0}
